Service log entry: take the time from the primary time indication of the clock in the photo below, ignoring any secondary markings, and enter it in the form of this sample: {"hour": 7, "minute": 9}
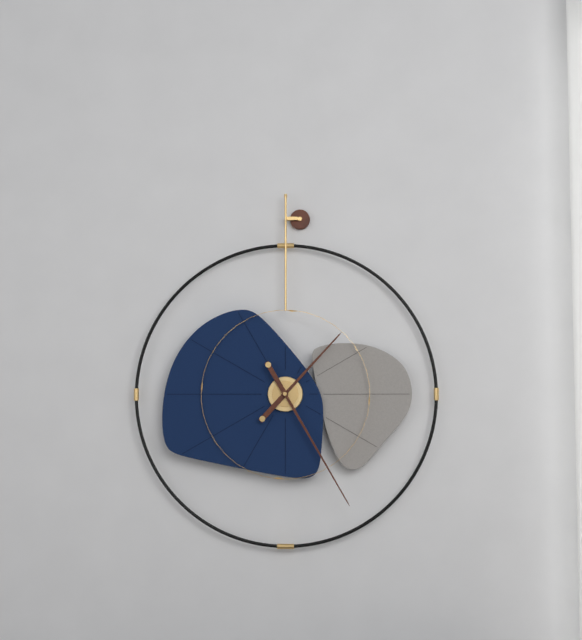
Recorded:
{"hour": 1, "minute": 25}
